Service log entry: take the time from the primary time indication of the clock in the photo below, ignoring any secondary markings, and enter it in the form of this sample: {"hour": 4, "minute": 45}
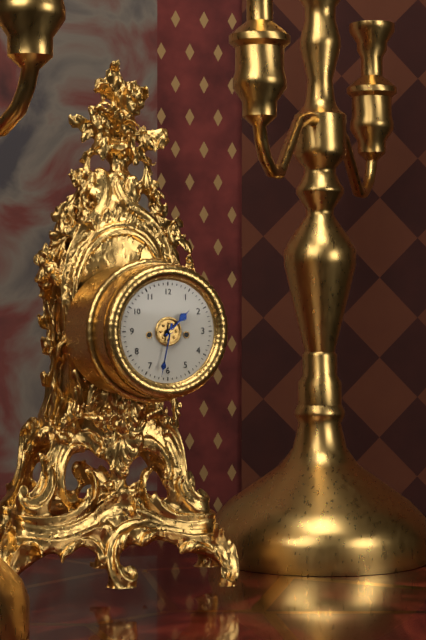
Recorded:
{"hour": 1, "minute": 32}
